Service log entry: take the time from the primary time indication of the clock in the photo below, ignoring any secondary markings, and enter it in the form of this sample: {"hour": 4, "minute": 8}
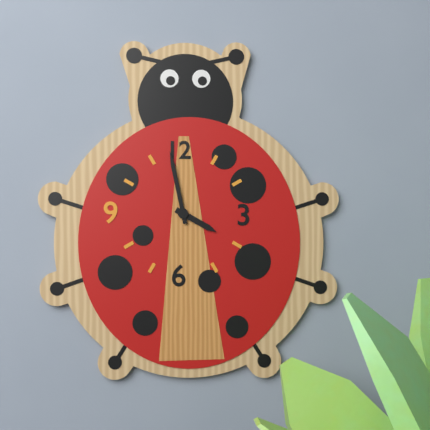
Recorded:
{"hour": 3, "minute": 58}
